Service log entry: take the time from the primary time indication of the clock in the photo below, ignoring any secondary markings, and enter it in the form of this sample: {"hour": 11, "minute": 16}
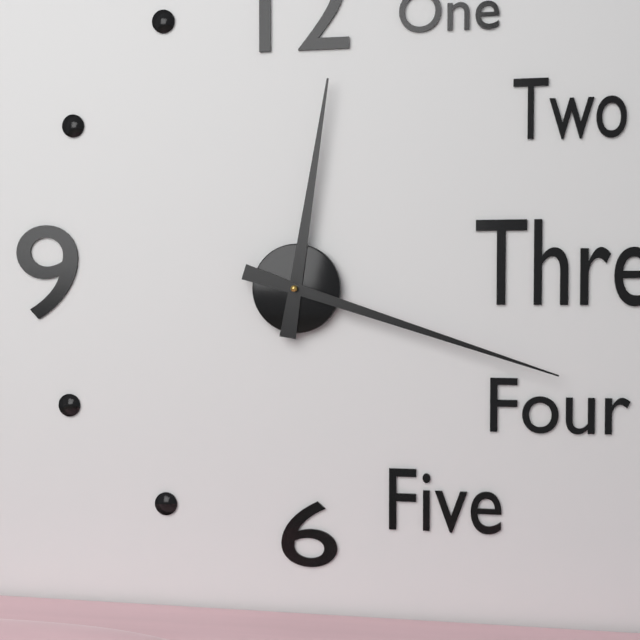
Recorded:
{"hour": 12, "minute": 18}
